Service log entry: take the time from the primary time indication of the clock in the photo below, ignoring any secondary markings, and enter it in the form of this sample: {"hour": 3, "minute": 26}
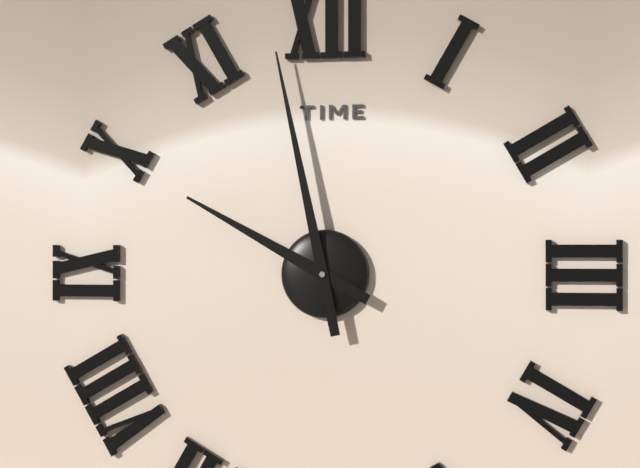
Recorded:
{"hour": 9, "minute": 58}
